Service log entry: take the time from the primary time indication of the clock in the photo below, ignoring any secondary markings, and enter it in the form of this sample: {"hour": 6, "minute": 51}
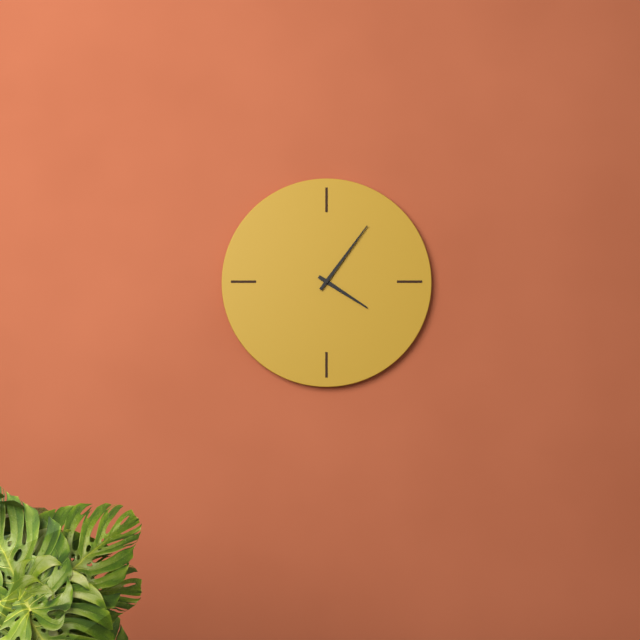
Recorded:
{"hour": 4, "minute": 6}
